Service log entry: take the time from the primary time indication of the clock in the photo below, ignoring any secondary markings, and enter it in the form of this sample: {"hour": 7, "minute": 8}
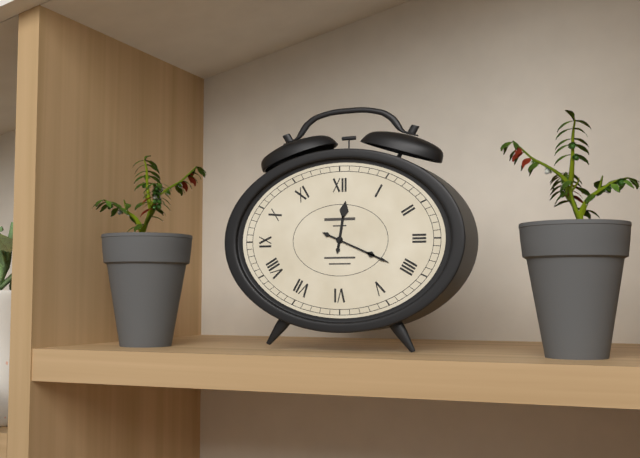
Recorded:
{"hour": 12, "minute": 19}
